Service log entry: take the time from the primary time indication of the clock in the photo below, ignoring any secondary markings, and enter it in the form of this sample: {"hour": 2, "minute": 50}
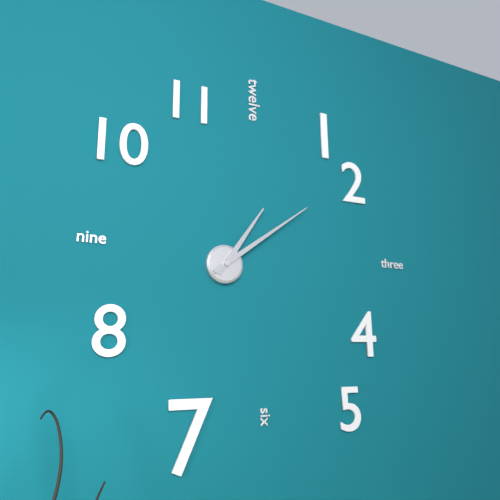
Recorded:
{"hour": 1, "minute": 9}
